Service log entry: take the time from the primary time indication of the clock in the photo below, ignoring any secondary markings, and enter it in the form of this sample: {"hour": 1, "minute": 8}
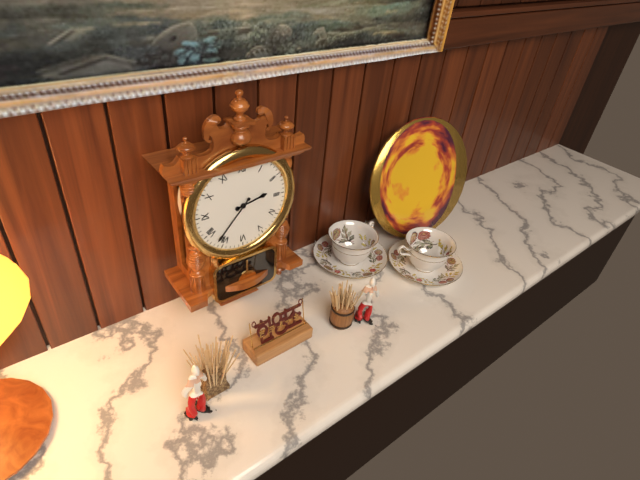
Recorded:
{"hour": 2, "minute": 37}
